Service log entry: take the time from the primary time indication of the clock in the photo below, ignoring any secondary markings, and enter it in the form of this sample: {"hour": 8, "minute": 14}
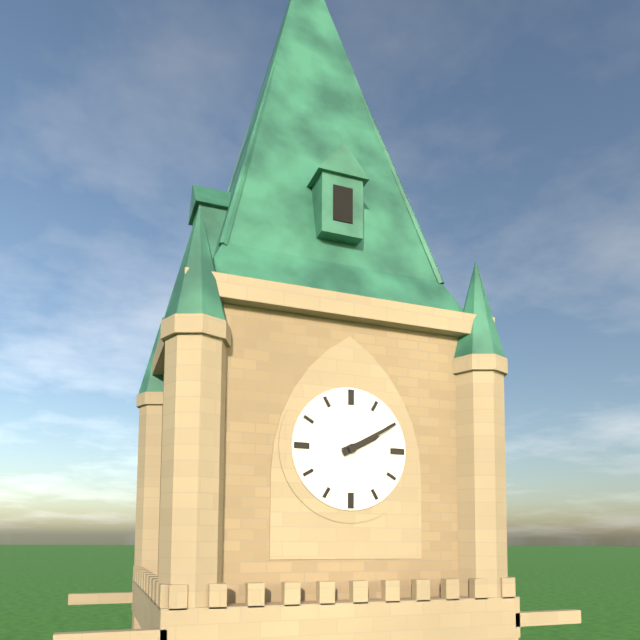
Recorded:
{"hour": 2, "minute": 10}
